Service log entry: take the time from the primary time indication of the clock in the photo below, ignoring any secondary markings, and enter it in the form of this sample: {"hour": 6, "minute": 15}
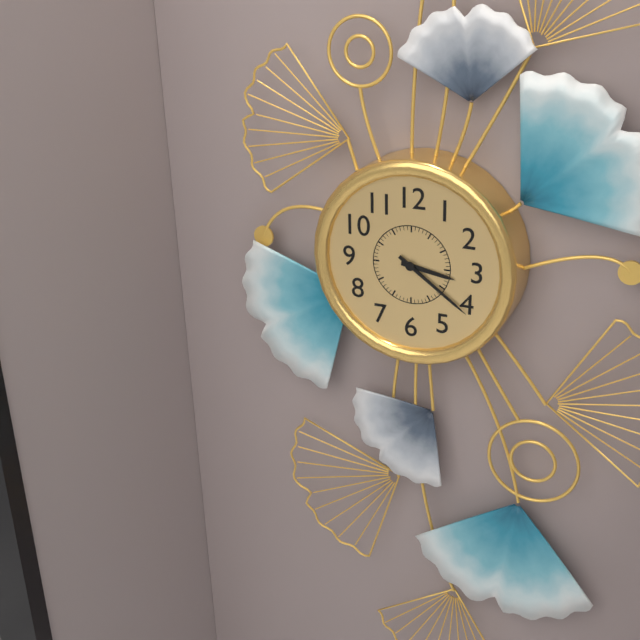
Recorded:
{"hour": 3, "minute": 21}
